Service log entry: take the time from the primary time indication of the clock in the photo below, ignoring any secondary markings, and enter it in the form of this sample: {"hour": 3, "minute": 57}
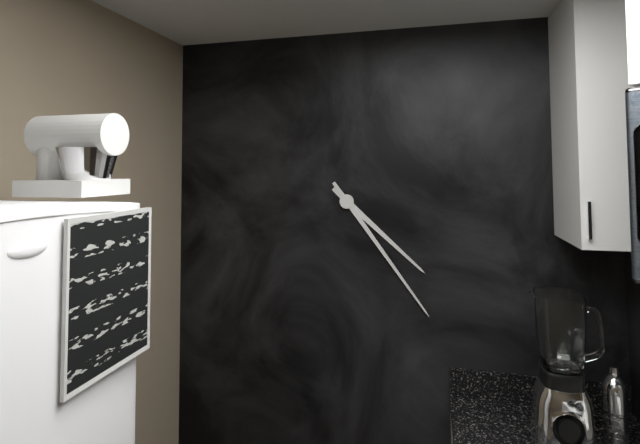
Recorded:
{"hour": 4, "minute": 24}
